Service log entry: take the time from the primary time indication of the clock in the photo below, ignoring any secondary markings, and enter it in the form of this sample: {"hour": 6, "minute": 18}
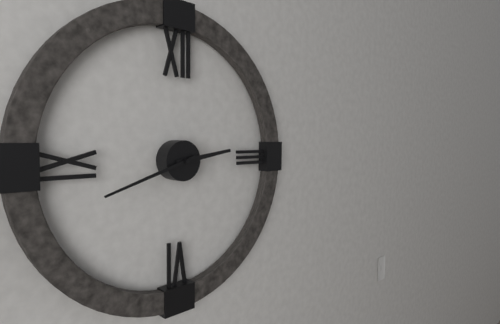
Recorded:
{"hour": 2, "minute": 42}
